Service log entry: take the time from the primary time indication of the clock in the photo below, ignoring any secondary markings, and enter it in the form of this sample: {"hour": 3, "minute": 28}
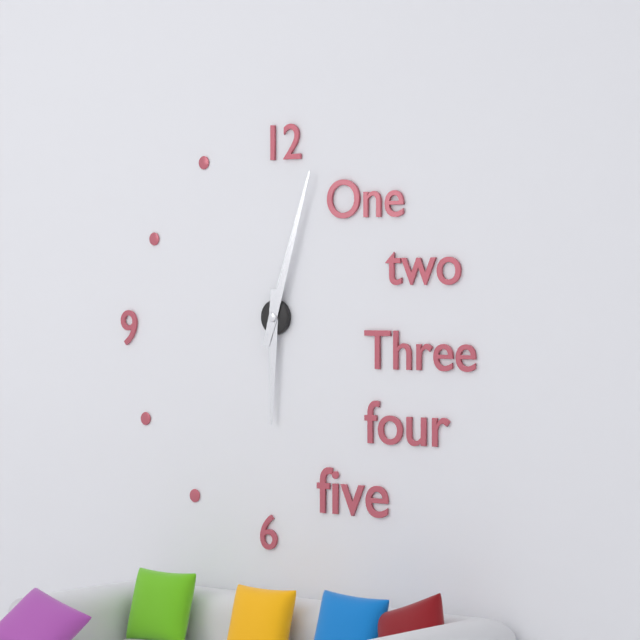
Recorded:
{"hour": 6, "minute": 3}
